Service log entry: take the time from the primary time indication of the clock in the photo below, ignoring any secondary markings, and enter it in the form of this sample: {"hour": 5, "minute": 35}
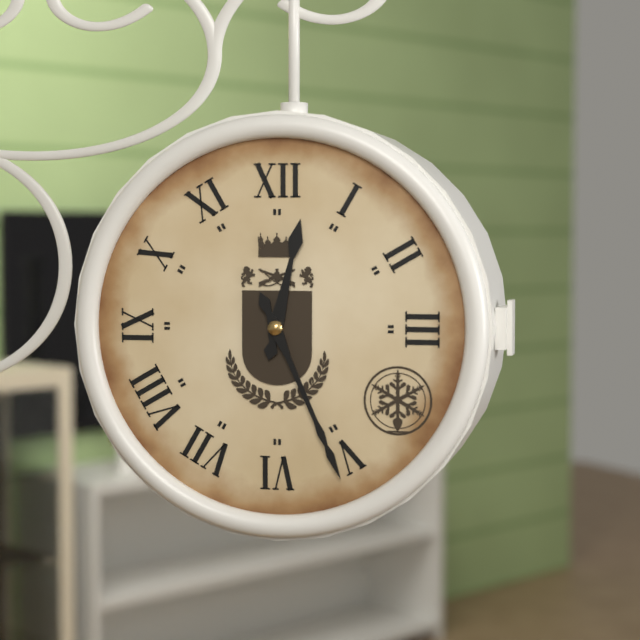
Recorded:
{"hour": 12, "minute": 26}
